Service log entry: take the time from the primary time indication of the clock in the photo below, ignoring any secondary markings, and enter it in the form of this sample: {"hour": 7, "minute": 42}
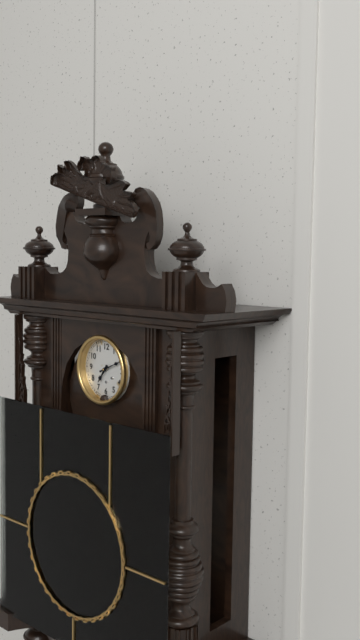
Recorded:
{"hour": 7, "minute": 11}
